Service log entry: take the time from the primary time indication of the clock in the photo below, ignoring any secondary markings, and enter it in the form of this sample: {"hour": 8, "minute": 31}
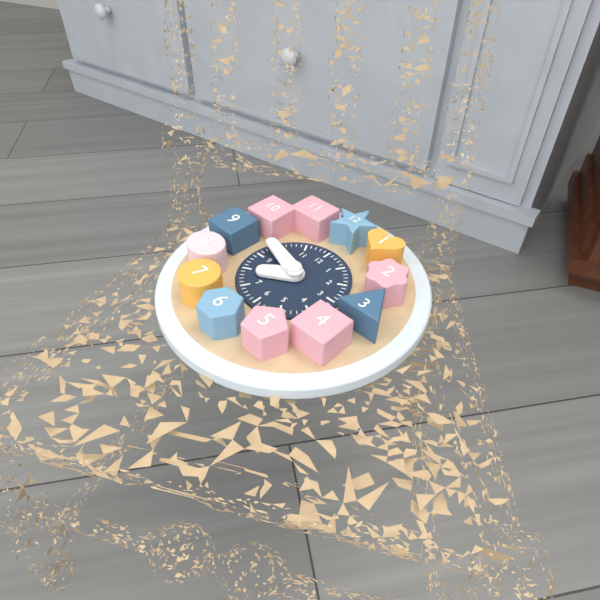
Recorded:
{"hour": 7, "minute": 48}
